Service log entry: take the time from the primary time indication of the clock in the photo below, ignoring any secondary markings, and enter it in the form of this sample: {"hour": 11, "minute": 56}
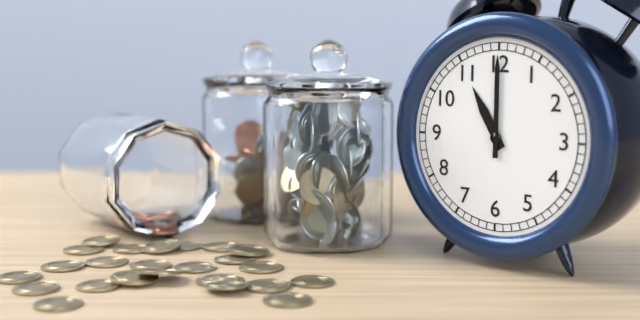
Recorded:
{"hour": 11, "minute": 0}
